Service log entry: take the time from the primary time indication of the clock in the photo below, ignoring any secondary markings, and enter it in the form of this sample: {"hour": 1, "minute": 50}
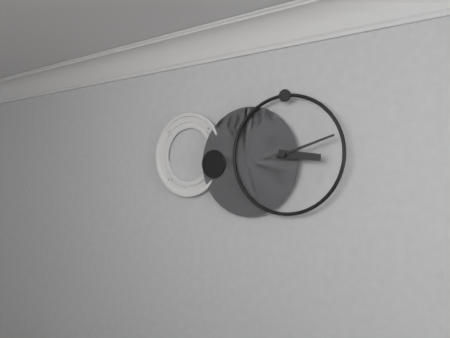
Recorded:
{"hour": 3, "minute": 12}
